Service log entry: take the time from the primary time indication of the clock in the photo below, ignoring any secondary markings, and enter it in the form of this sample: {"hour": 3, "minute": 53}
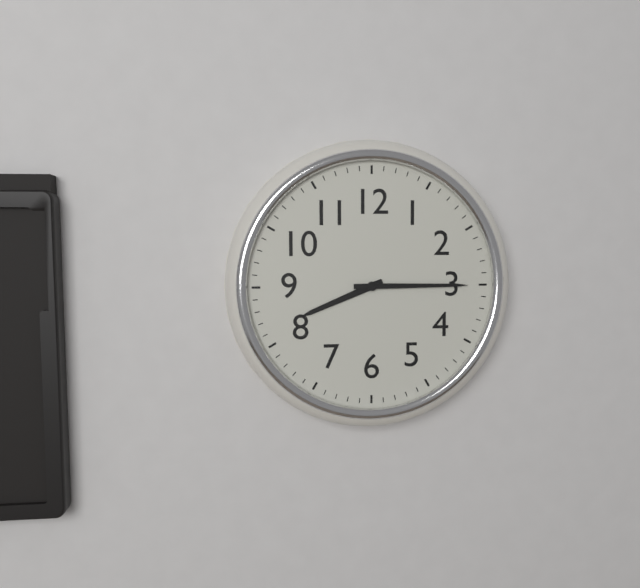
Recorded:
{"hour": 8, "minute": 15}
